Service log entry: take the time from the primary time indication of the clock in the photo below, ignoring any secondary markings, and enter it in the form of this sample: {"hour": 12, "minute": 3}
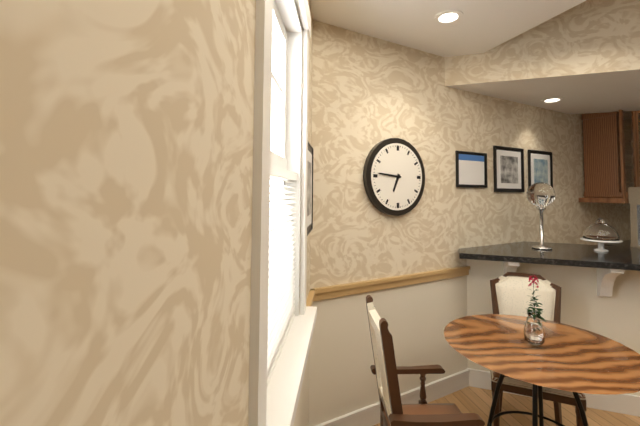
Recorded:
{"hour": 6, "minute": 46}
